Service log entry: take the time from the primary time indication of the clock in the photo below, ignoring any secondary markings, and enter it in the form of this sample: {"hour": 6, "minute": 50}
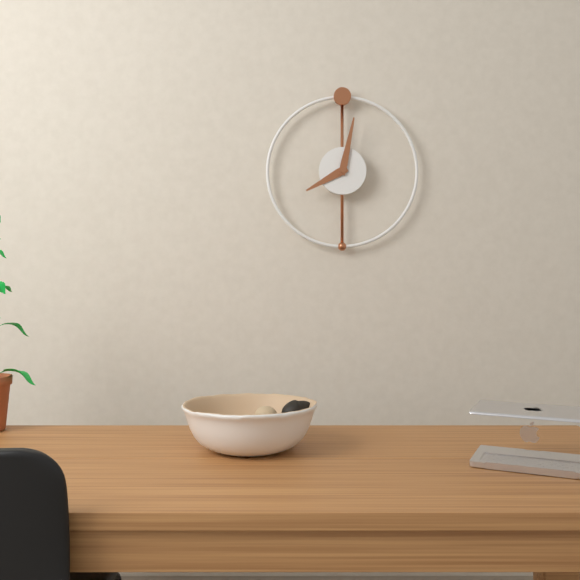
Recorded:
{"hour": 8, "minute": 2}
